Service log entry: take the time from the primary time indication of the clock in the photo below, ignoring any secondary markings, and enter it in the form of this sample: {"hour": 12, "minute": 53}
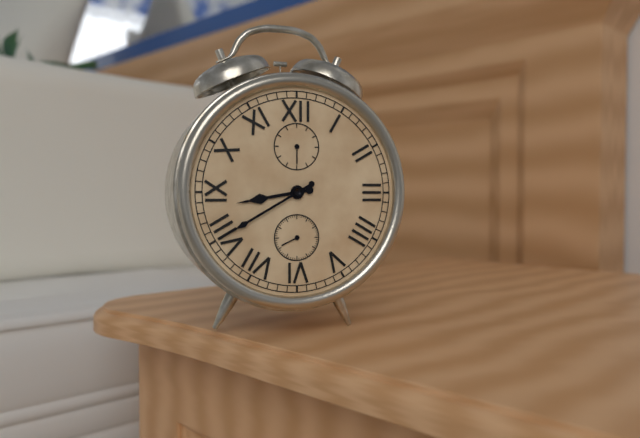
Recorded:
{"hour": 8, "minute": 40}
